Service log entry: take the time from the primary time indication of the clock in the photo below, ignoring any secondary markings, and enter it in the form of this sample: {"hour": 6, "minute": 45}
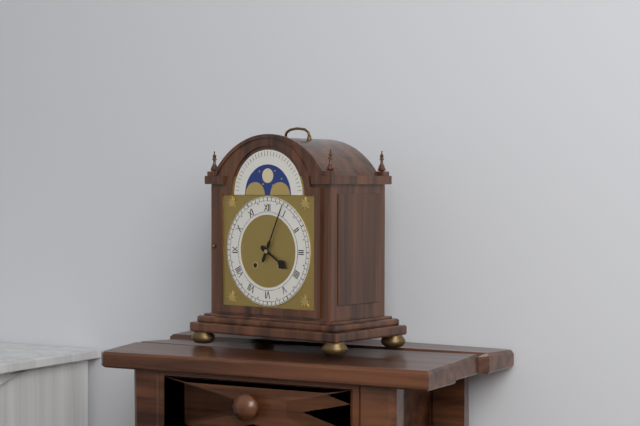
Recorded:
{"hour": 4, "minute": 4}
